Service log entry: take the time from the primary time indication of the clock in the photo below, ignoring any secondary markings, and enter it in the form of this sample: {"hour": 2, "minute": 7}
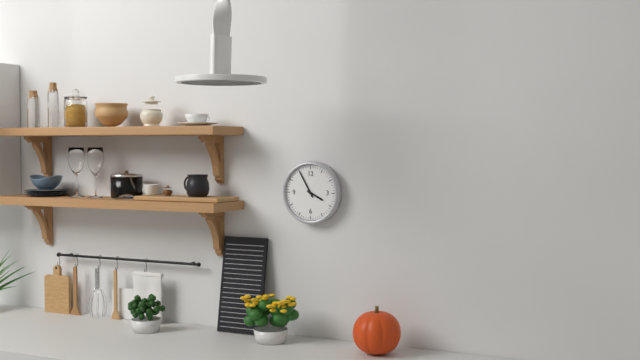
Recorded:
{"hour": 3, "minute": 55}
